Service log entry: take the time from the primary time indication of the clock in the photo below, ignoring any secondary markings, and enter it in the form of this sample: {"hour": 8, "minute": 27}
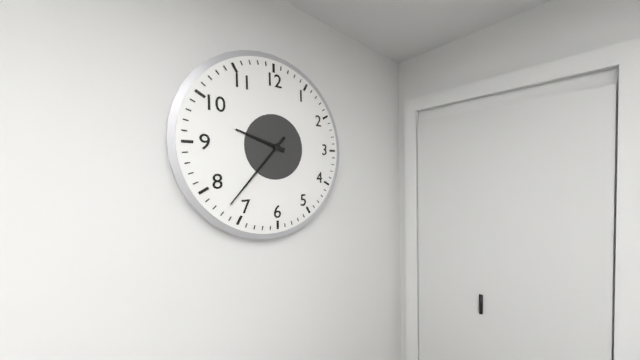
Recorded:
{"hour": 9, "minute": 37}
